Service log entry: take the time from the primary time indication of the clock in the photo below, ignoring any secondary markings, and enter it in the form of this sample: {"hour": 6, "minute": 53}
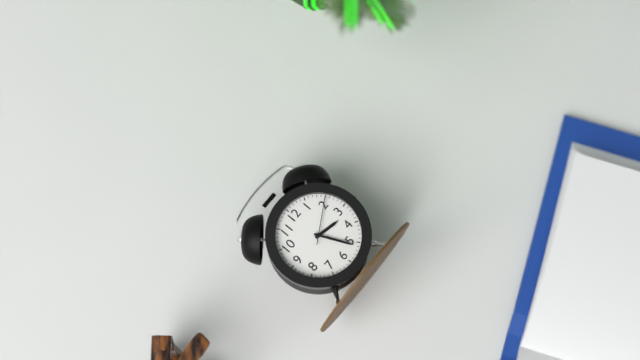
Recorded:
{"hour": 3, "minute": 26}
